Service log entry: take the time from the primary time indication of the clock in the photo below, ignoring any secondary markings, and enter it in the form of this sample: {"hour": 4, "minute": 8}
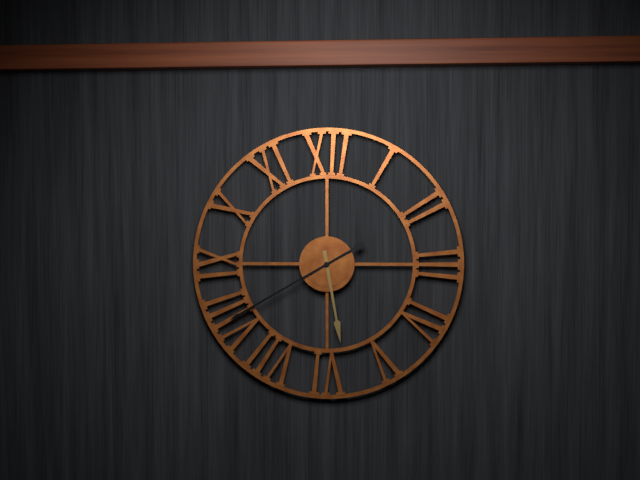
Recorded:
{"hour": 5, "minute": 40}
